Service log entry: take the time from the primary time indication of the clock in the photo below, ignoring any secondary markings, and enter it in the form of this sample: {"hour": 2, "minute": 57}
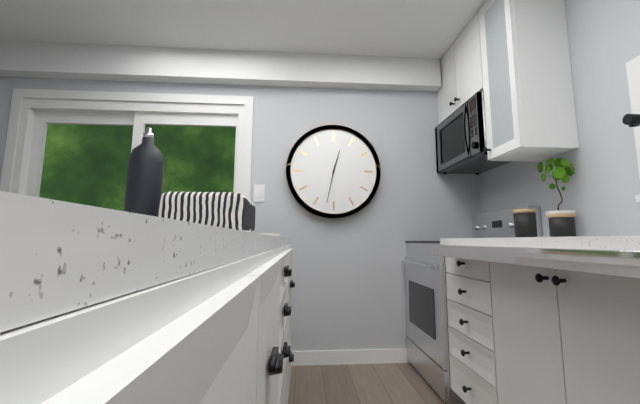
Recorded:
{"hour": 12, "minute": 32}
